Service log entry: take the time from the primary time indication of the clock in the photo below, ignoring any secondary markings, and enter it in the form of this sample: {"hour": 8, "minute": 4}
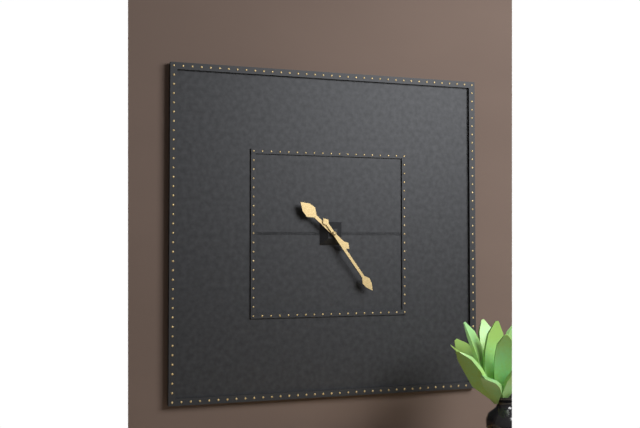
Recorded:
{"hour": 10, "minute": 24}
